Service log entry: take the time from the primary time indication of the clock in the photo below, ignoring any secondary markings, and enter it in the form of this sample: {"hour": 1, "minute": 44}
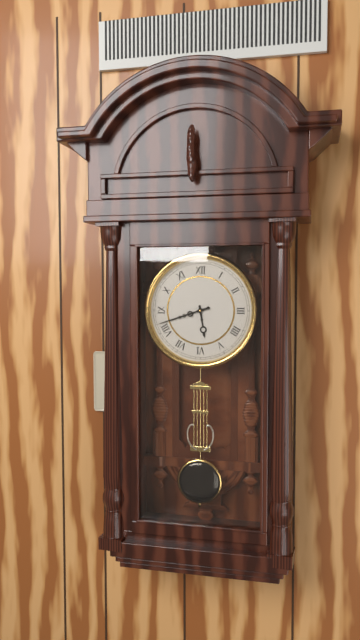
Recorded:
{"hour": 5, "minute": 42}
